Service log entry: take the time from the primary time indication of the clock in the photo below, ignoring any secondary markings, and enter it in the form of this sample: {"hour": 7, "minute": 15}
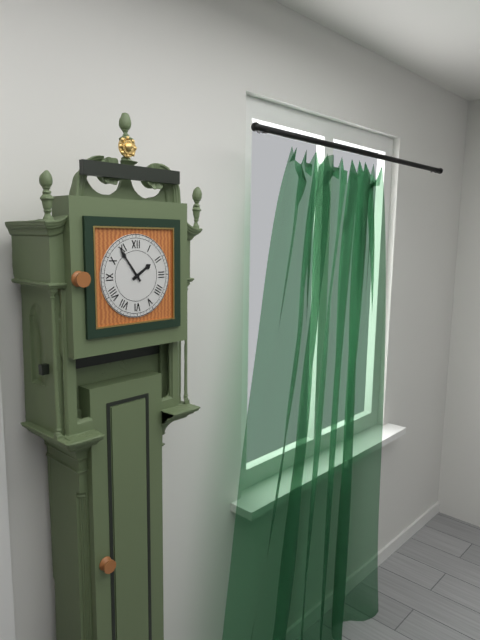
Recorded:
{"hour": 1, "minute": 54}
